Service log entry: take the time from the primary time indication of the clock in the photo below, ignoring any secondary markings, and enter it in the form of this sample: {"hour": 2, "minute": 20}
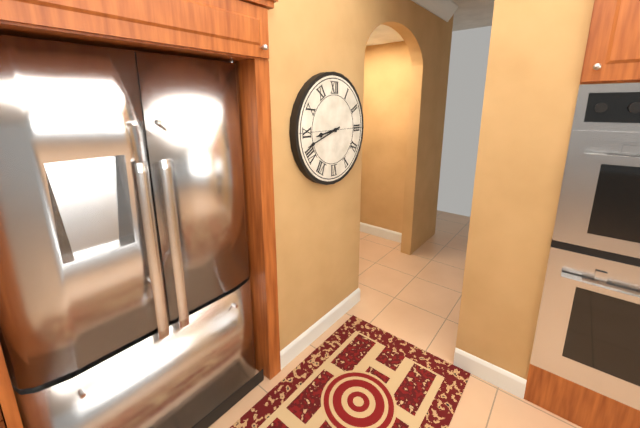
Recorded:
{"hour": 8, "minute": 42}
